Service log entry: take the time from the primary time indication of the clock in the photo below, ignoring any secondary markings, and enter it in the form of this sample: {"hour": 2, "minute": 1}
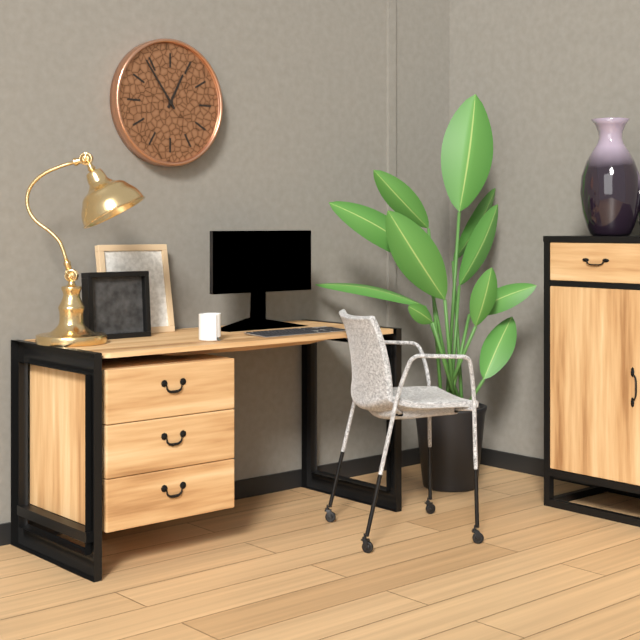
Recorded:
{"hour": 12, "minute": 54}
